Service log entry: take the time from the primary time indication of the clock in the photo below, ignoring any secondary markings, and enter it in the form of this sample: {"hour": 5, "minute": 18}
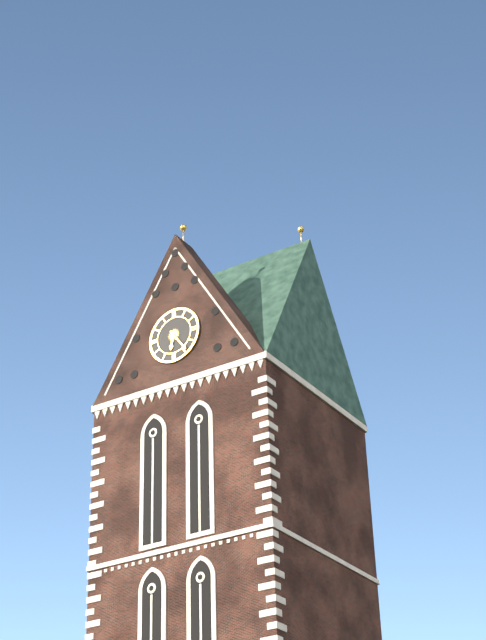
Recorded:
{"hour": 6, "minute": 24}
